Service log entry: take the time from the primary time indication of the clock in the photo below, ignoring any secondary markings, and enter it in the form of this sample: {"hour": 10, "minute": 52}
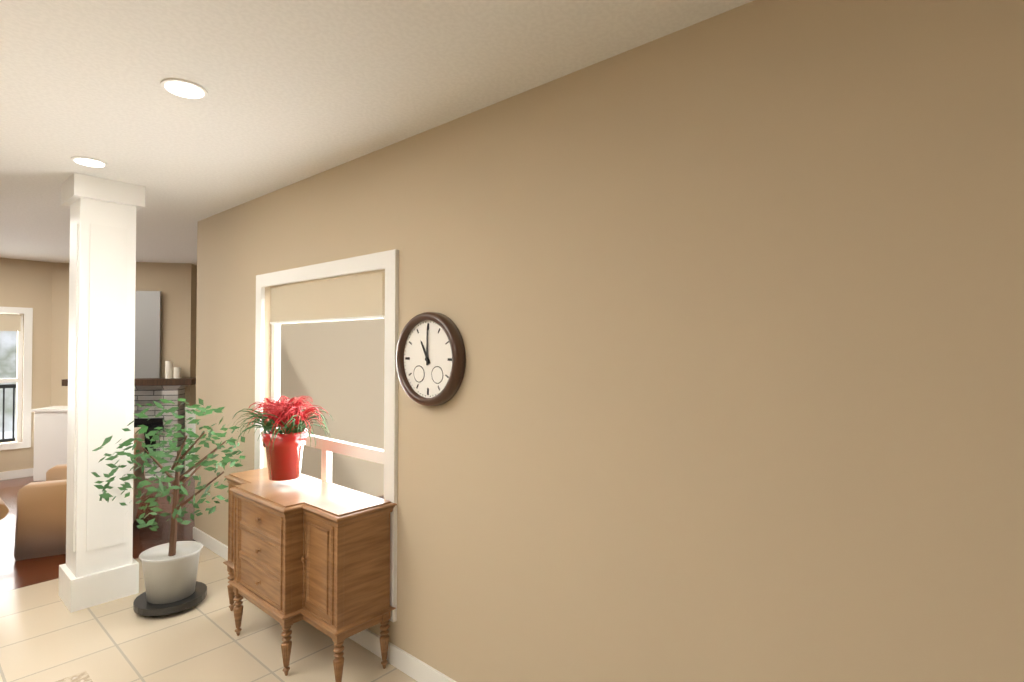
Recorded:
{"hour": 11, "minute": 0}
